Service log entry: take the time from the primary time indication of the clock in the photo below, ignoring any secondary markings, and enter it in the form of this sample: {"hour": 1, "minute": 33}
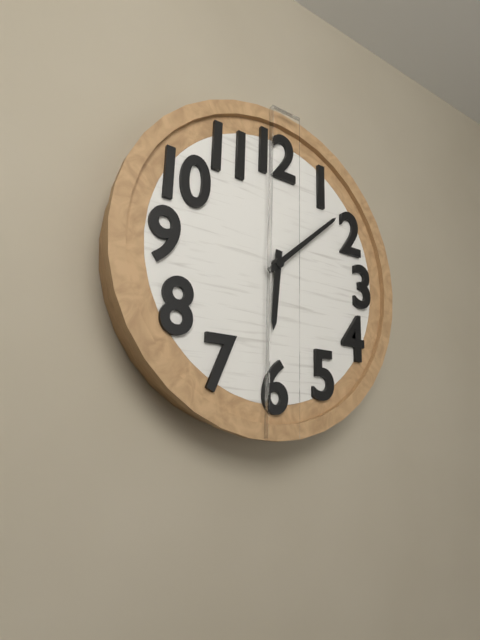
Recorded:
{"hour": 6, "minute": 8}
